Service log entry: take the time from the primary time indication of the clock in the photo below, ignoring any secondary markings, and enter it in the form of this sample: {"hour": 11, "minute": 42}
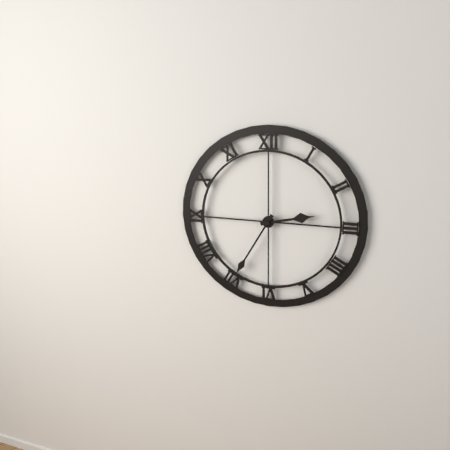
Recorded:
{"hour": 2, "minute": 35}
